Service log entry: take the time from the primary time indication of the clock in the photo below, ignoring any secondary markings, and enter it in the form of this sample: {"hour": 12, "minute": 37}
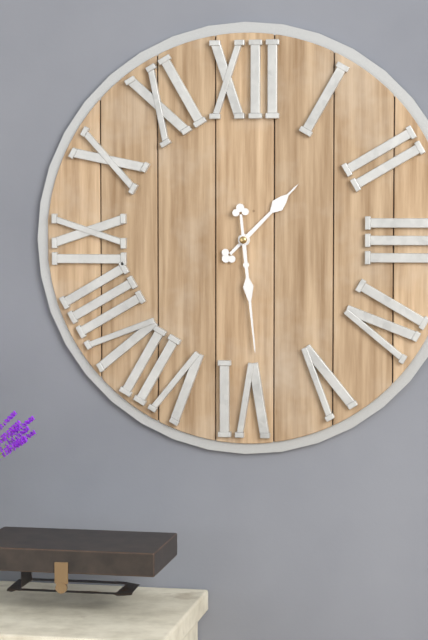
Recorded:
{"hour": 1, "minute": 29}
